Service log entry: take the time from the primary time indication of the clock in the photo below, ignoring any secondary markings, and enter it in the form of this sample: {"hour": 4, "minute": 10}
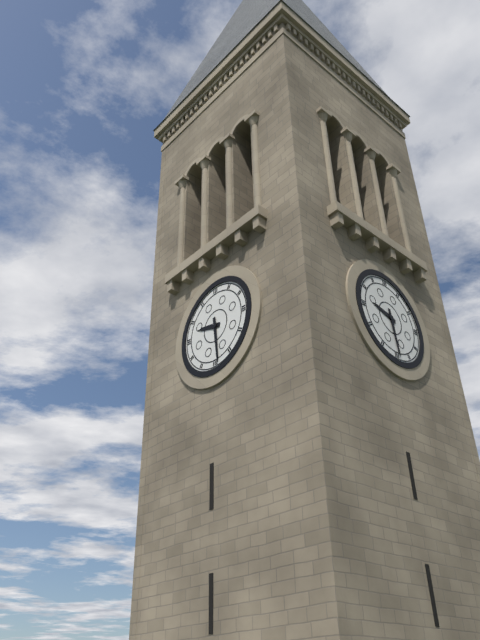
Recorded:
{"hour": 9, "minute": 29}
